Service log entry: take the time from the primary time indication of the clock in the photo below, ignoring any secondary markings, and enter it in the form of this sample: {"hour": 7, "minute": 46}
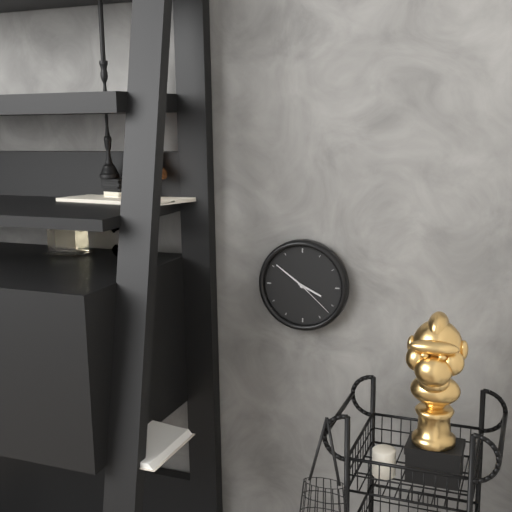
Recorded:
{"hour": 3, "minute": 51}
